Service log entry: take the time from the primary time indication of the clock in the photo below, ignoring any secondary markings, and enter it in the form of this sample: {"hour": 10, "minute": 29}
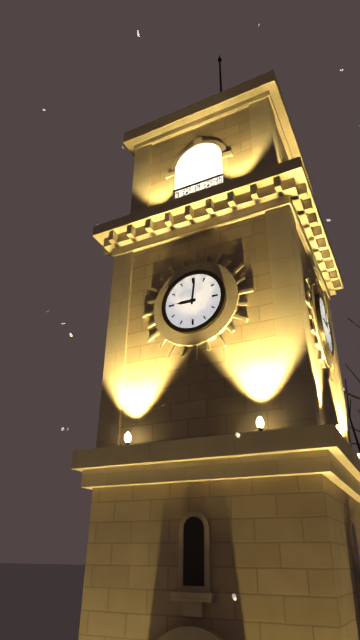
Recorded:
{"hour": 9, "minute": 1}
